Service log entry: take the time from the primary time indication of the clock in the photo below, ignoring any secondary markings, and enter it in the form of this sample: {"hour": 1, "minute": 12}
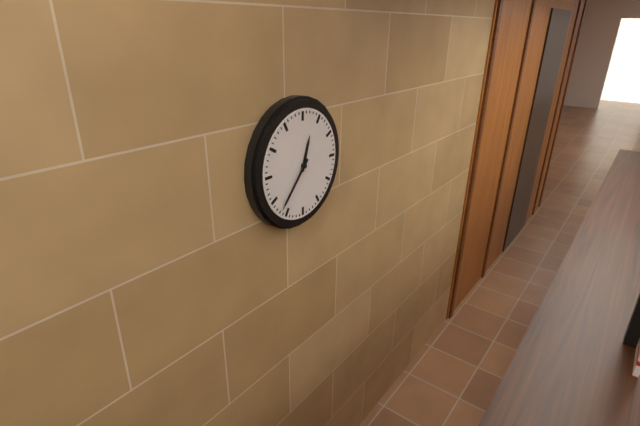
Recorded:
{"hour": 12, "minute": 37}
